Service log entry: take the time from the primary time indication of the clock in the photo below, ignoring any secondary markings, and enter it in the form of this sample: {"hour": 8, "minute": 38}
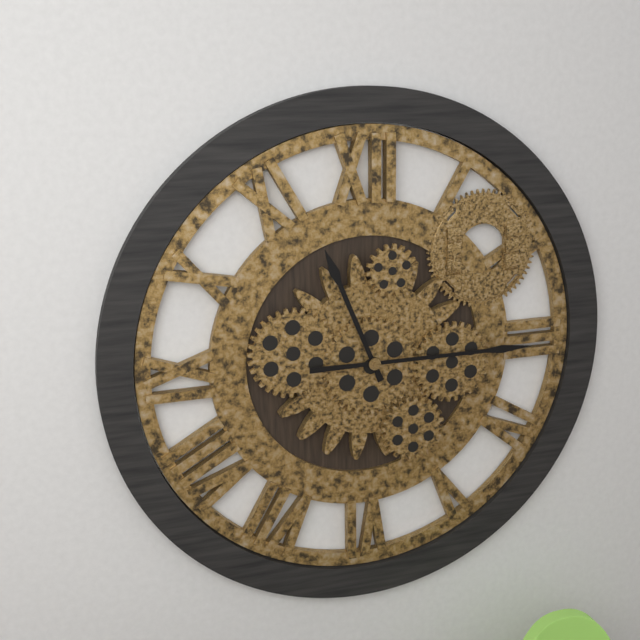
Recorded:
{"hour": 11, "minute": 15}
